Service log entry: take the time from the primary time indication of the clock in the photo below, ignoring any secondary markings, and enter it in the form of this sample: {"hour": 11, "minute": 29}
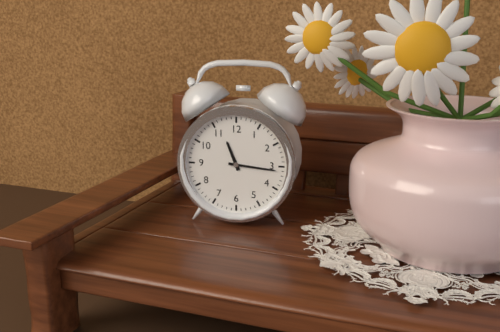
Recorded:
{"hour": 11, "minute": 16}
